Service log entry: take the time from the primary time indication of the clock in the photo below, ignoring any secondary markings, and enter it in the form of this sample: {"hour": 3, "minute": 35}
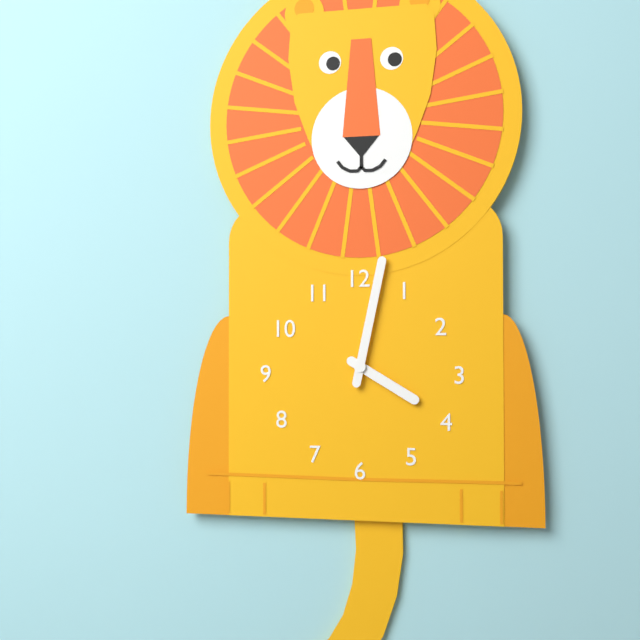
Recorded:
{"hour": 4, "minute": 2}
